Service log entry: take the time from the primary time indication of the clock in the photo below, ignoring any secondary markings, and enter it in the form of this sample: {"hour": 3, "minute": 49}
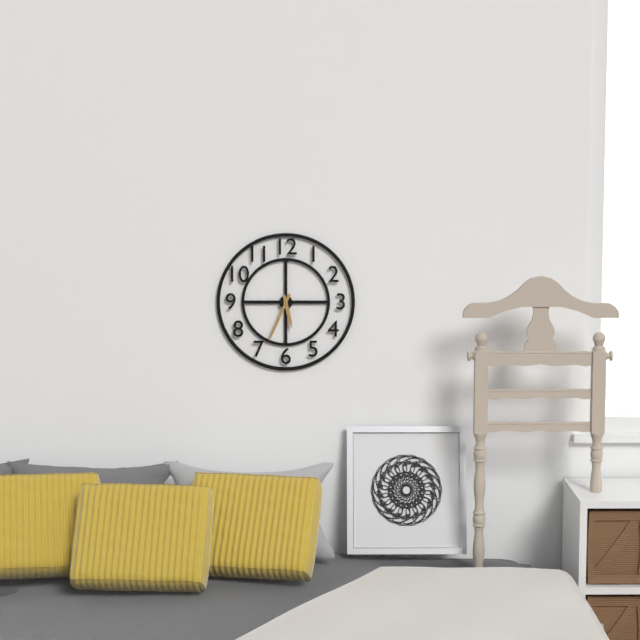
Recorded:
{"hour": 5, "minute": 34}
